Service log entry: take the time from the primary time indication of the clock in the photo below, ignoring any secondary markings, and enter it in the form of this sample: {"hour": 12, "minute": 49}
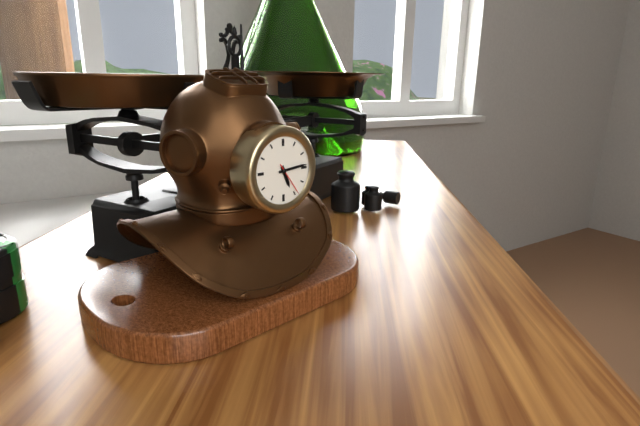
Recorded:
{"hour": 5, "minute": 14}
